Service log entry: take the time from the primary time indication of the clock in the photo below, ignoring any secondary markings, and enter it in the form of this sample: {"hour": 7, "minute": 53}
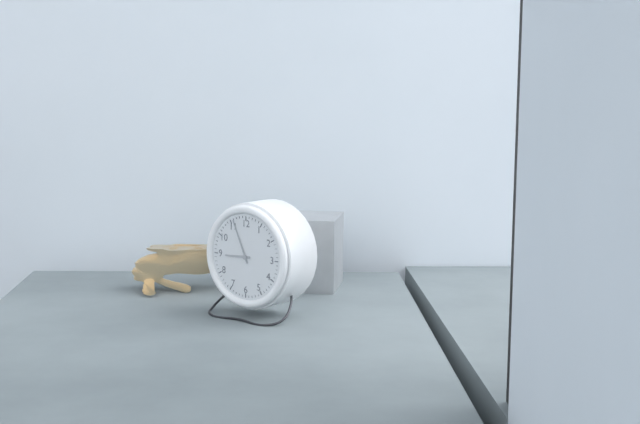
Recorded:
{"hour": 8, "minute": 56}
